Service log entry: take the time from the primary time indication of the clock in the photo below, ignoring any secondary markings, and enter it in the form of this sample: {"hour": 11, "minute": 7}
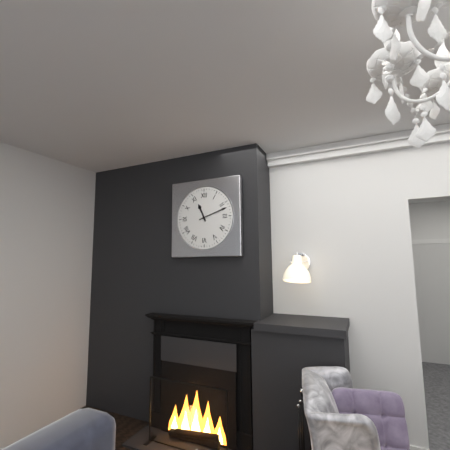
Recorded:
{"hour": 11, "minute": 12}
